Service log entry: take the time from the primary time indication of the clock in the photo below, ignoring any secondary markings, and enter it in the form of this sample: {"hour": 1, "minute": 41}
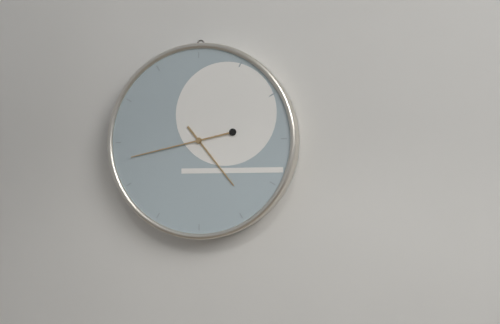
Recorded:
{"hour": 4, "minute": 43}
